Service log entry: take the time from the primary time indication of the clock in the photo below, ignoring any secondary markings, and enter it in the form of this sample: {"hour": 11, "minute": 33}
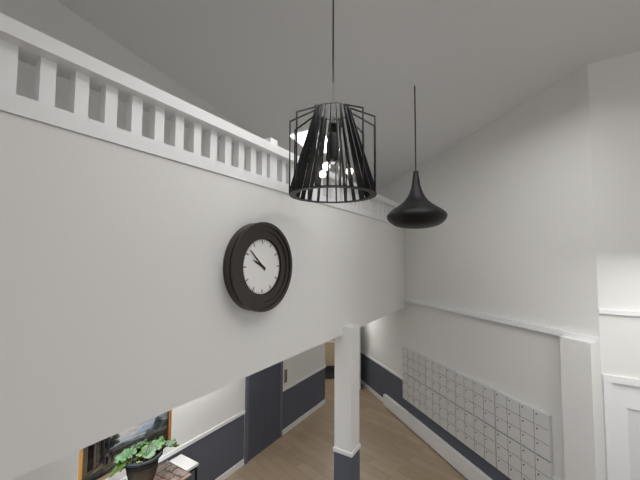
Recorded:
{"hour": 9, "minute": 52}
